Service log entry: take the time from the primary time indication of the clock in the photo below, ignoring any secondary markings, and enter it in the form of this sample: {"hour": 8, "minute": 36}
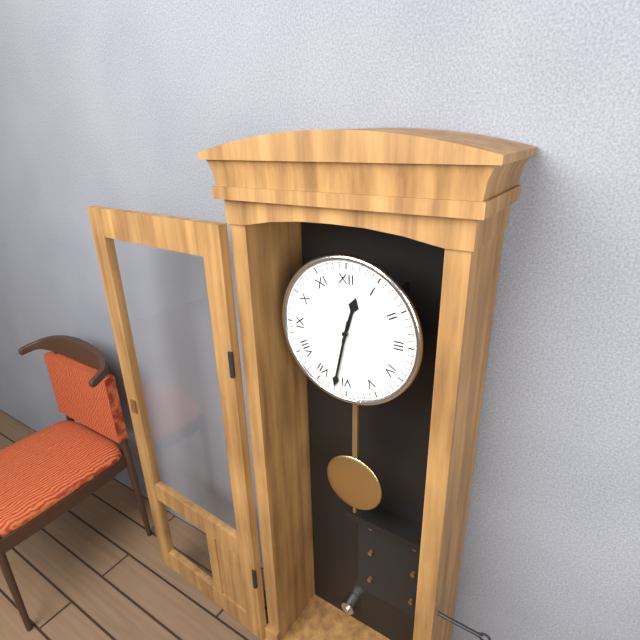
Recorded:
{"hour": 12, "minute": 32}
